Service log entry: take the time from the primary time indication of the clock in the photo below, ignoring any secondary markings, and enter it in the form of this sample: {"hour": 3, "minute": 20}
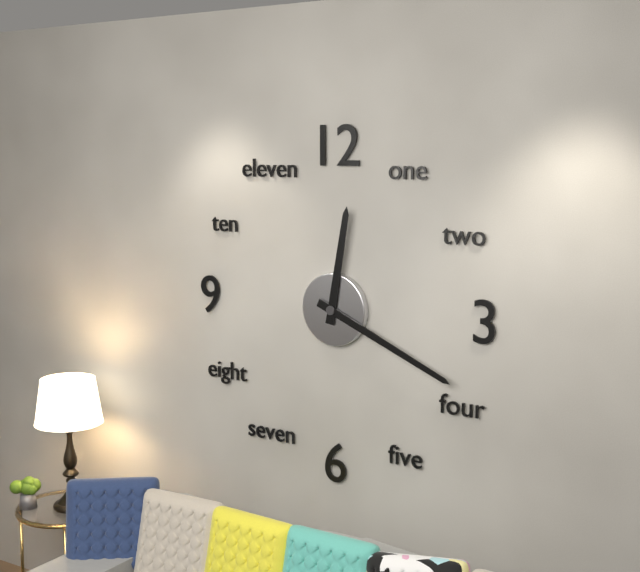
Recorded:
{"hour": 12, "minute": 19}
